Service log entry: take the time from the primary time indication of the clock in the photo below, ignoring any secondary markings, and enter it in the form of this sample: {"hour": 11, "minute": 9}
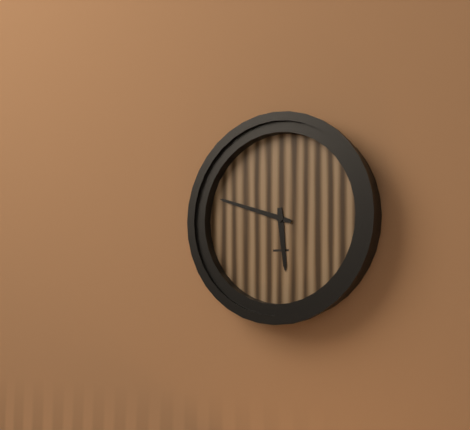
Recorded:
{"hour": 5, "minute": 48}
